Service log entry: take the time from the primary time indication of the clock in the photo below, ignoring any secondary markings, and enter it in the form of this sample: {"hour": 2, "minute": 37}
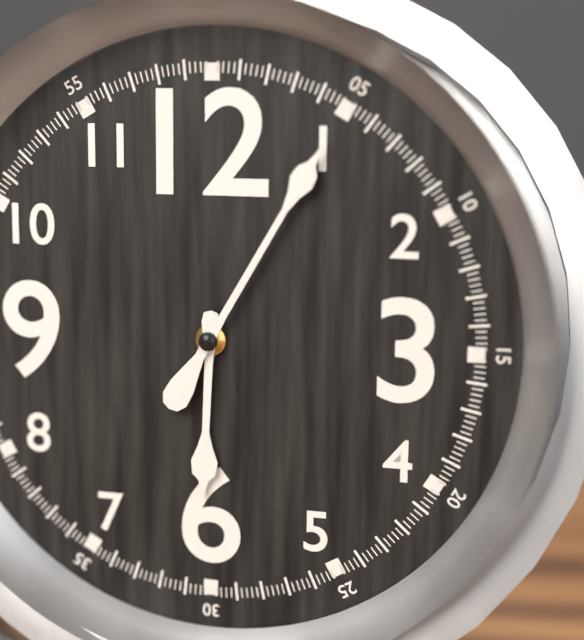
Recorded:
{"hour": 6, "minute": 5}
